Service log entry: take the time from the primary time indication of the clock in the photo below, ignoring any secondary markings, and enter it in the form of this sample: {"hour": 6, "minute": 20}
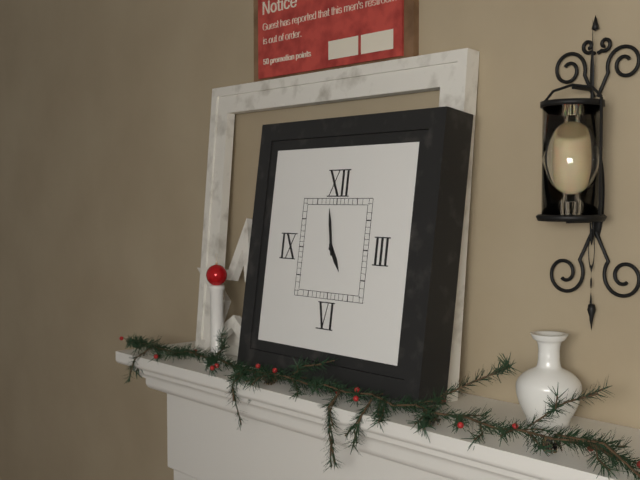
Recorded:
{"hour": 4, "minute": 58}
